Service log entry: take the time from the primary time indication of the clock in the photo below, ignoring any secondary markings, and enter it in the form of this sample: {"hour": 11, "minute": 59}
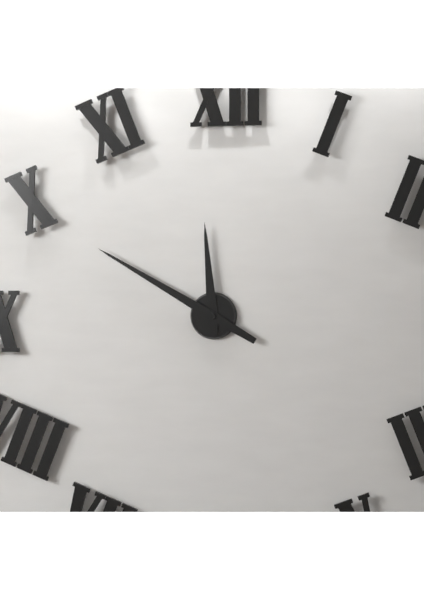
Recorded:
{"hour": 11, "minute": 50}
